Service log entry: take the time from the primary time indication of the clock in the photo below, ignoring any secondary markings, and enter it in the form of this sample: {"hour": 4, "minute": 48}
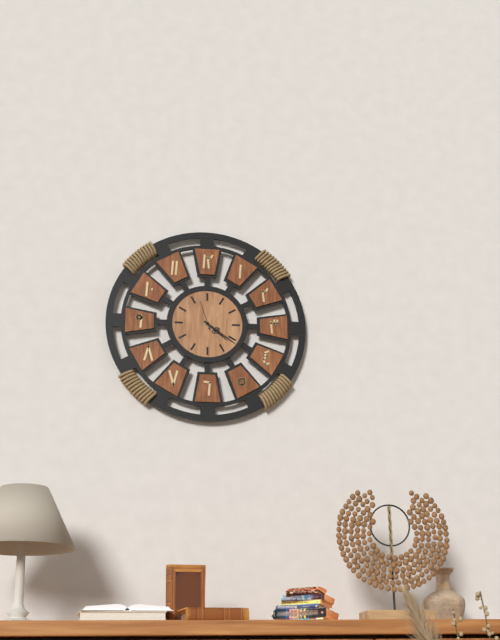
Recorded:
{"hour": 4, "minute": 21}
